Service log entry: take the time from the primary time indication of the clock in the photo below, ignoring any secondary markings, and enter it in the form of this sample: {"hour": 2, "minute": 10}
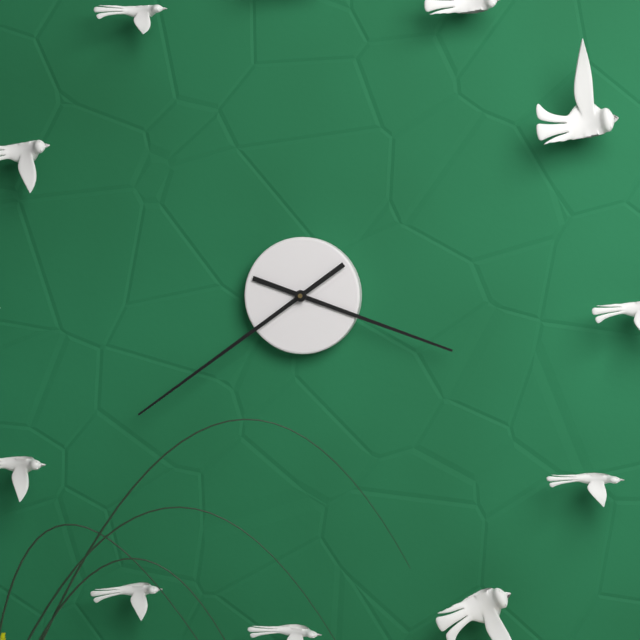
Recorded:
{"hour": 3, "minute": 39}
